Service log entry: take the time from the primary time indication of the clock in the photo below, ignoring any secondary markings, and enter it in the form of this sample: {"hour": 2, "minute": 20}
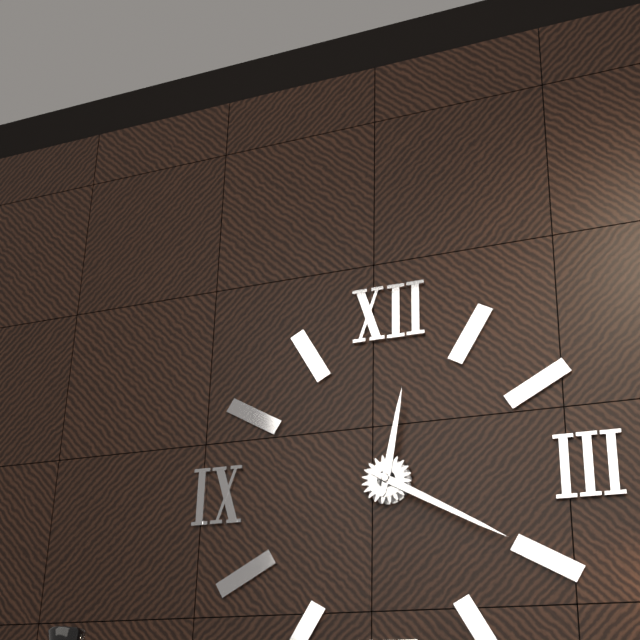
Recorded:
{"hour": 12, "minute": 20}
